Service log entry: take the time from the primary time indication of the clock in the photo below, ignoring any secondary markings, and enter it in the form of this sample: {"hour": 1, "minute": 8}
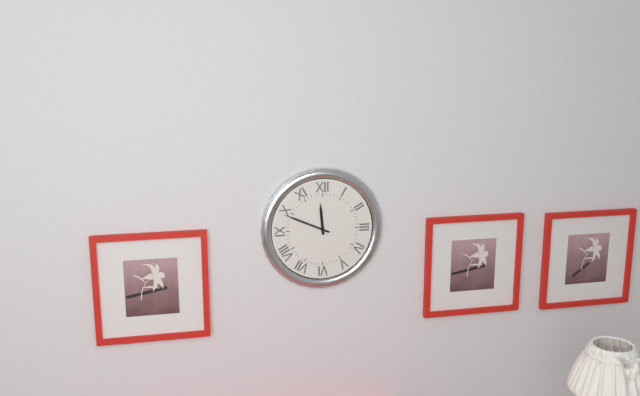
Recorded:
{"hour": 11, "minute": 49}
